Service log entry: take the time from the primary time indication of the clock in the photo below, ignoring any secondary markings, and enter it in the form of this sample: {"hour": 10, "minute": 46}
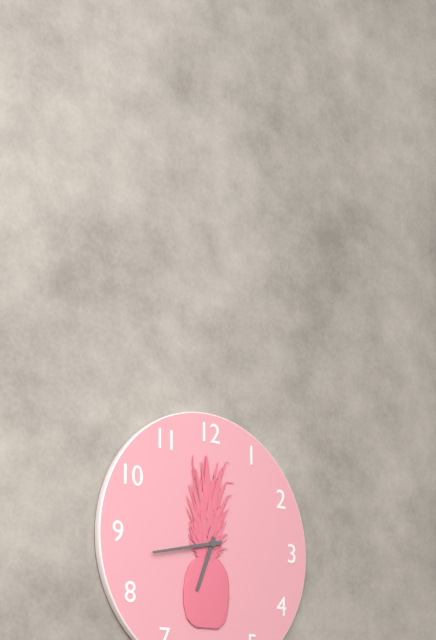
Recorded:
{"hour": 6, "minute": 43}
